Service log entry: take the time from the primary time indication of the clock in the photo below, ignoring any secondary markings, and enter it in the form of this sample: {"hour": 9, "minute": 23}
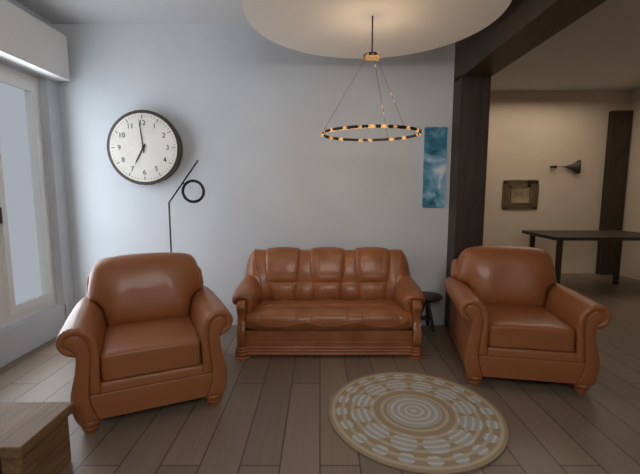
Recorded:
{"hour": 6, "minute": 59}
